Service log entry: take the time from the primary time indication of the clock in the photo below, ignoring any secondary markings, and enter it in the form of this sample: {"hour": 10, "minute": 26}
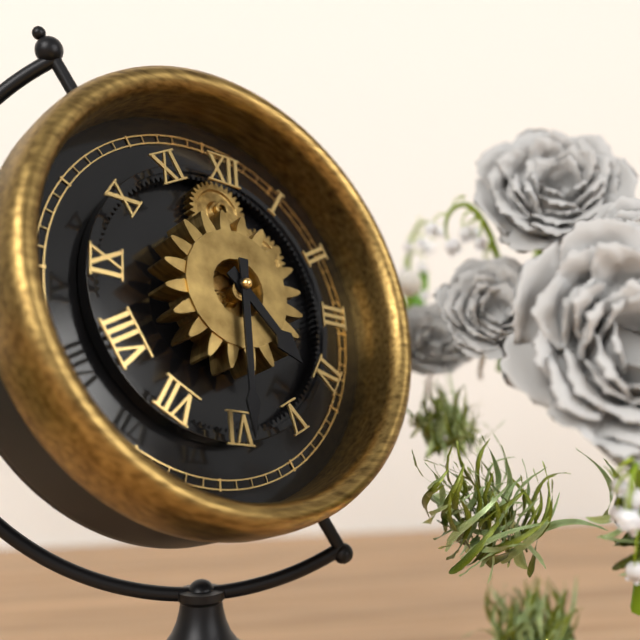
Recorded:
{"hour": 4, "minute": 30}
